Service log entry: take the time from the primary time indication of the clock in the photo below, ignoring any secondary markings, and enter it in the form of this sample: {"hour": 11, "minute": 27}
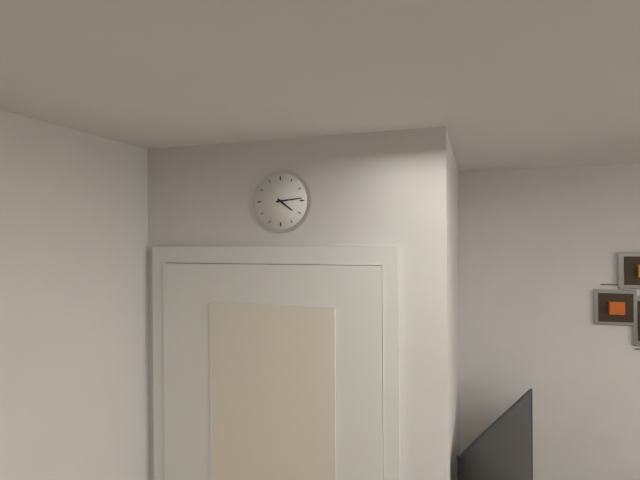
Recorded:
{"hour": 4, "minute": 14}
